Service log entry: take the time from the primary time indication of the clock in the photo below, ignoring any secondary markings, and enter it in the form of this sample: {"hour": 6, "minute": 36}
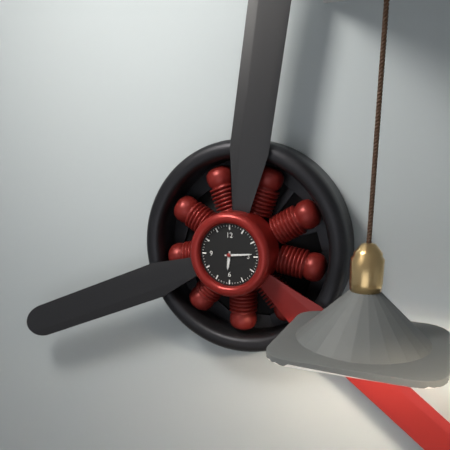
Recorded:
{"hour": 6, "minute": 14}
